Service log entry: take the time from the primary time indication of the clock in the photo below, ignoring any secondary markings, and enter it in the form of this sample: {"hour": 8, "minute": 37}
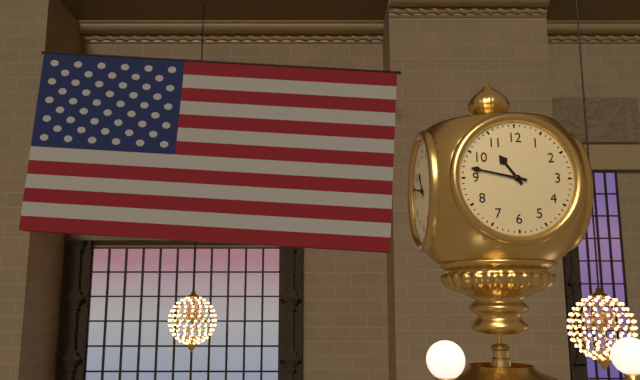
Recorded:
{"hour": 10, "minute": 47}
